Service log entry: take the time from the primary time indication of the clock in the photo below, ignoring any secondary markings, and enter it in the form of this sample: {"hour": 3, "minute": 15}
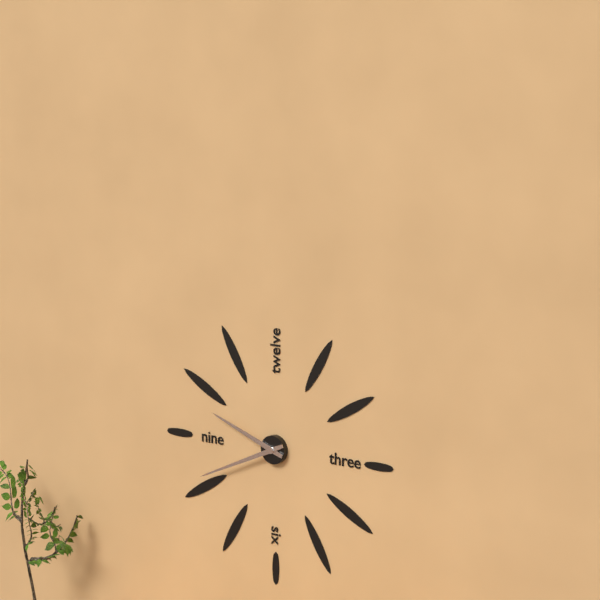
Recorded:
{"hour": 9, "minute": 41}
